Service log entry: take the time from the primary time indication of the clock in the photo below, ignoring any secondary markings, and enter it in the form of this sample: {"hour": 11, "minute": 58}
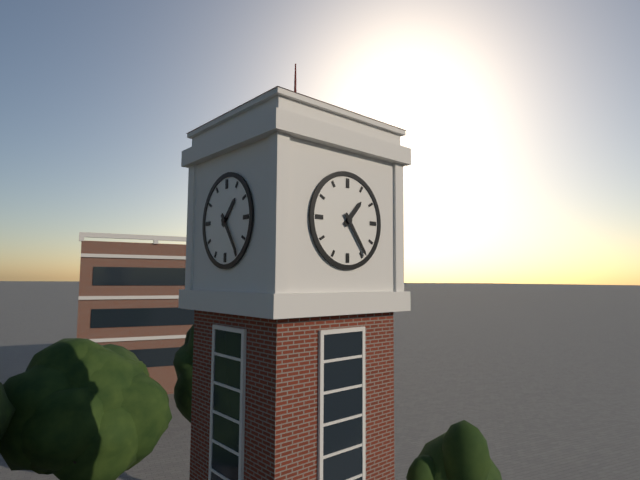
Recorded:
{"hour": 1, "minute": 24}
